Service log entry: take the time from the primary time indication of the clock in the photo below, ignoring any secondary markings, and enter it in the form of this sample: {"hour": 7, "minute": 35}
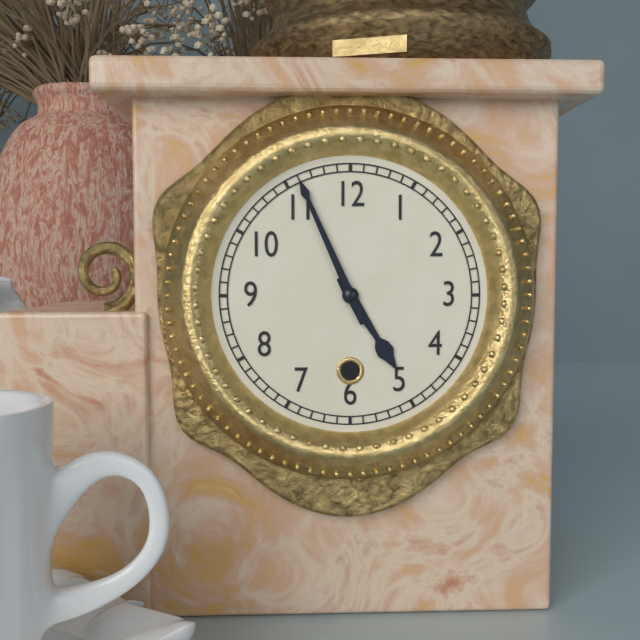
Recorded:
{"hour": 4, "minute": 56}
